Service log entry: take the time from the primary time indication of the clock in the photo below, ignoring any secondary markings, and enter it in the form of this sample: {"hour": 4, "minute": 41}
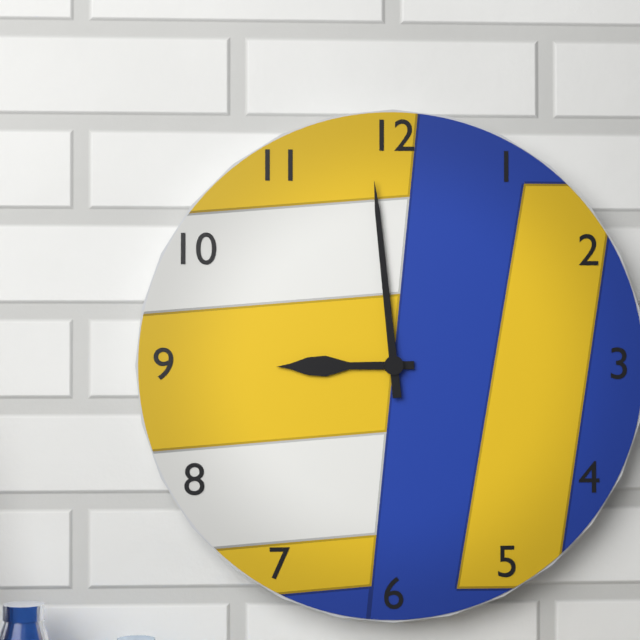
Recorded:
{"hour": 8, "minute": 59}
